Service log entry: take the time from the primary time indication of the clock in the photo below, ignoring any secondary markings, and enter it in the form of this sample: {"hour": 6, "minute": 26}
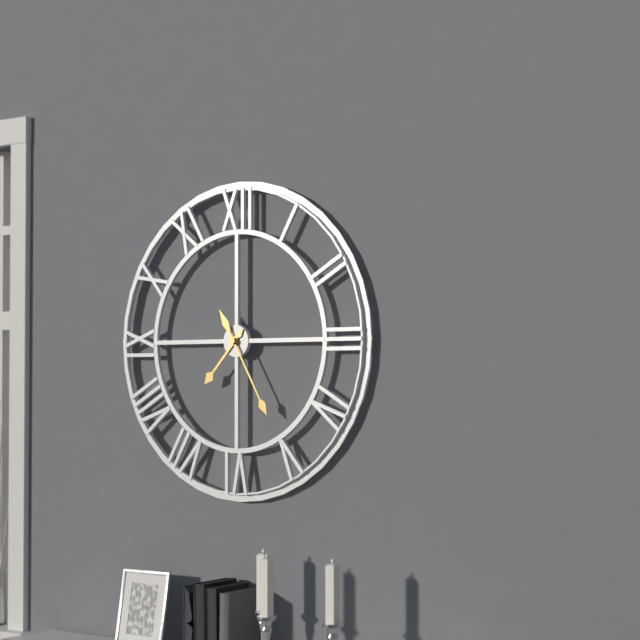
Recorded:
{"hour": 7, "minute": 25}
